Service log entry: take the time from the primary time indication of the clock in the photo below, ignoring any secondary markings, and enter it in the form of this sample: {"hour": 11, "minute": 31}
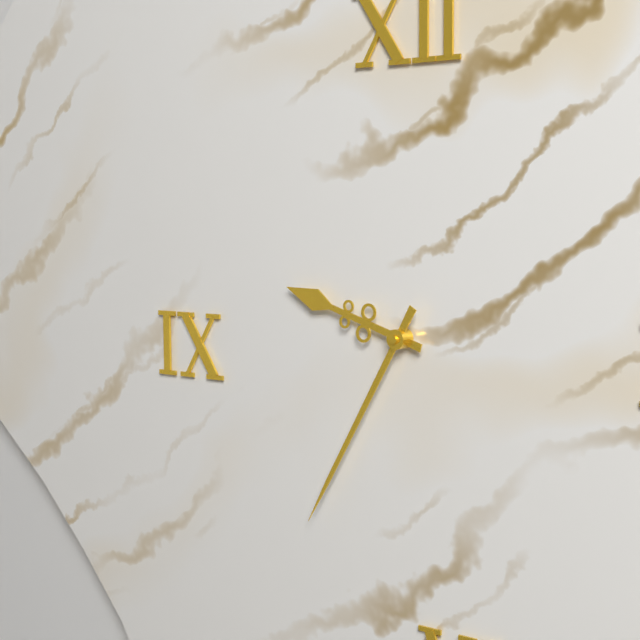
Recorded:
{"hour": 9, "minute": 35}
